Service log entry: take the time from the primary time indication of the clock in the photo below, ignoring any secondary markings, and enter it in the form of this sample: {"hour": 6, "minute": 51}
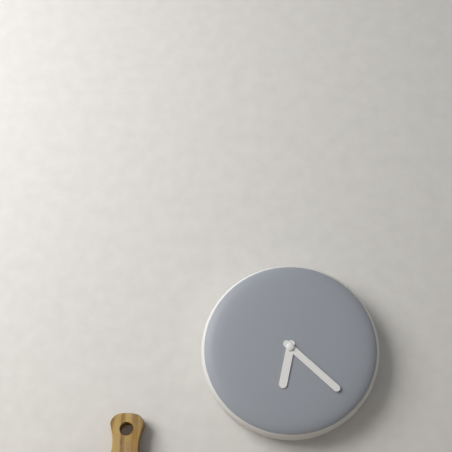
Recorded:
{"hour": 6, "minute": 22}
